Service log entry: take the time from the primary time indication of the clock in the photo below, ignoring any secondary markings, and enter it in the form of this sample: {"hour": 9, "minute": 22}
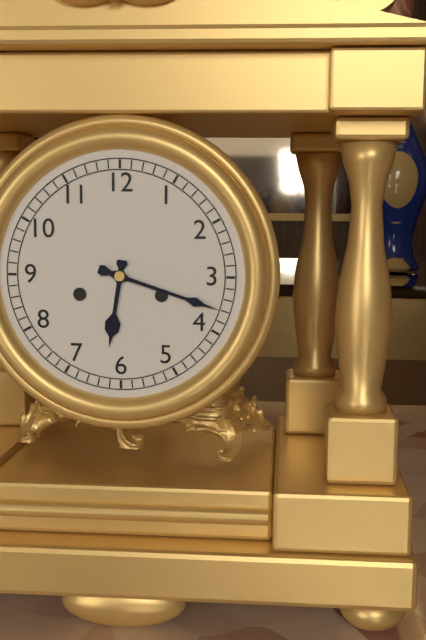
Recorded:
{"hour": 6, "minute": 18}
